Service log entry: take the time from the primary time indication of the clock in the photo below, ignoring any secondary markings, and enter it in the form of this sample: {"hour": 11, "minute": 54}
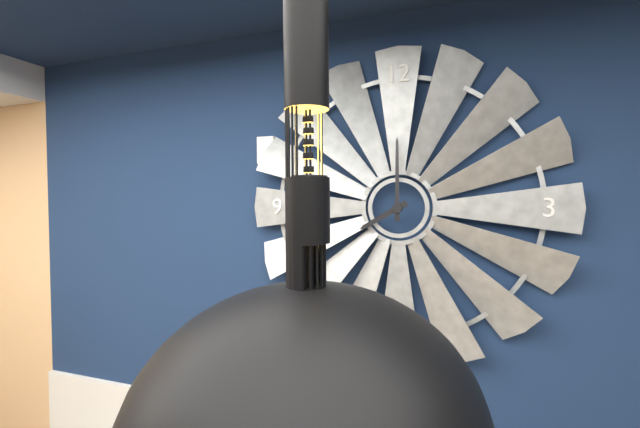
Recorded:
{"hour": 8, "minute": 0}
